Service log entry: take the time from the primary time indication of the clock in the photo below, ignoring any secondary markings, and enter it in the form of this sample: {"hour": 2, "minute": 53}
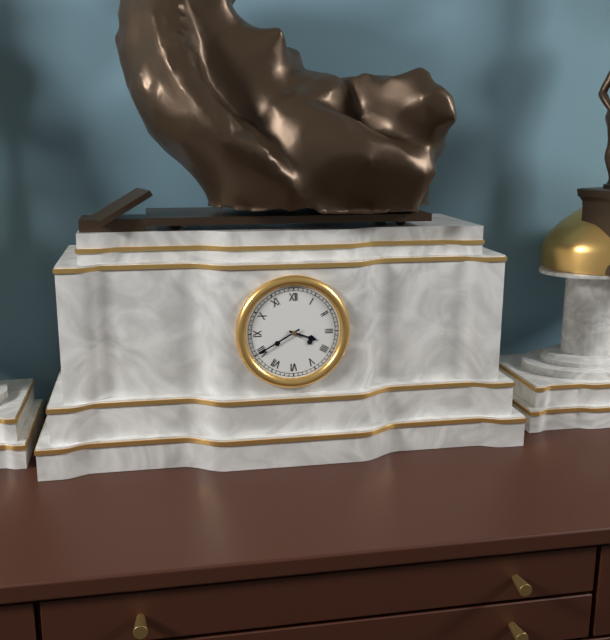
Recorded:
{"hour": 3, "minute": 40}
